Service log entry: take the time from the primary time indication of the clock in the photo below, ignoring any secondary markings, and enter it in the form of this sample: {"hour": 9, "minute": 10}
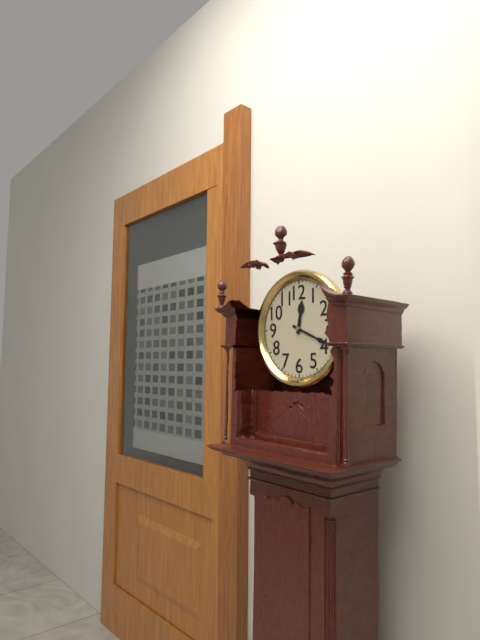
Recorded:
{"hour": 12, "minute": 19}
